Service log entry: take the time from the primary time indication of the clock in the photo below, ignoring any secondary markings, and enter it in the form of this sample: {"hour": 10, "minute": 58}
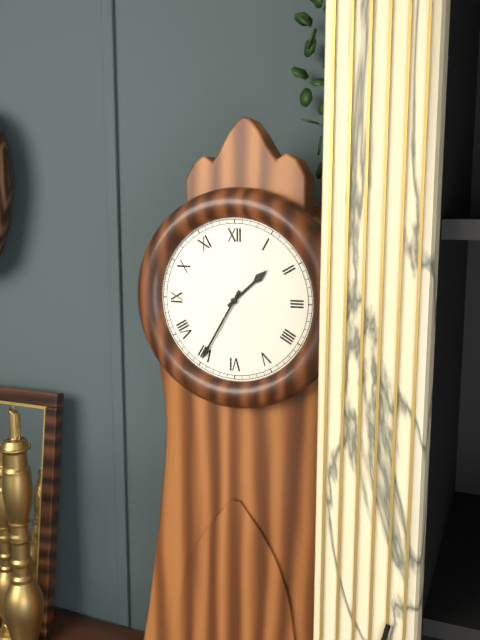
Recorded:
{"hour": 1, "minute": 35}
